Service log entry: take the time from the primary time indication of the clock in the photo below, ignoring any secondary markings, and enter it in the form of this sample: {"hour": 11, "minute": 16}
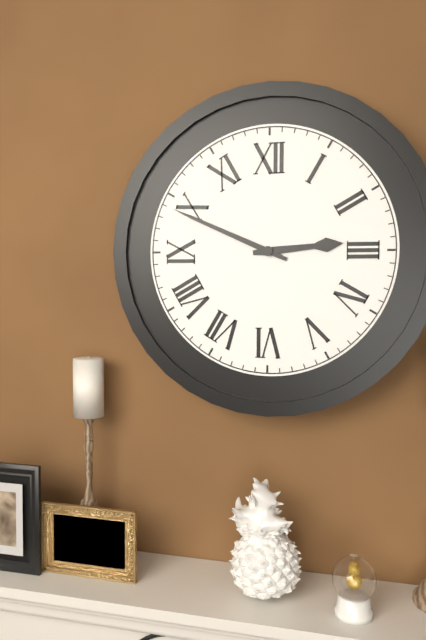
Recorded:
{"hour": 2, "minute": 49}
